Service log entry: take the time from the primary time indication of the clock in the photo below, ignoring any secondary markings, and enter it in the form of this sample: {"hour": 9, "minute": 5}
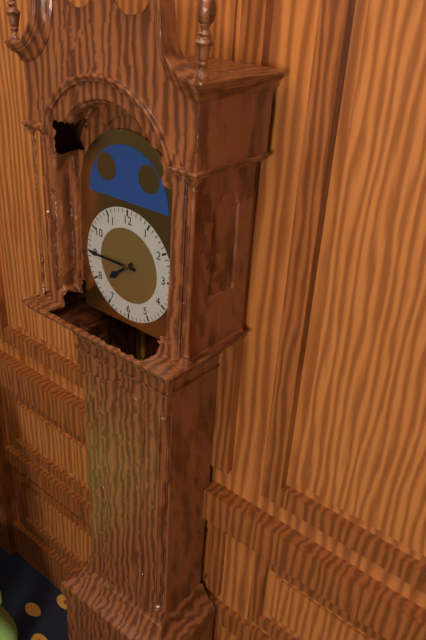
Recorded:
{"hour": 7, "minute": 45}
